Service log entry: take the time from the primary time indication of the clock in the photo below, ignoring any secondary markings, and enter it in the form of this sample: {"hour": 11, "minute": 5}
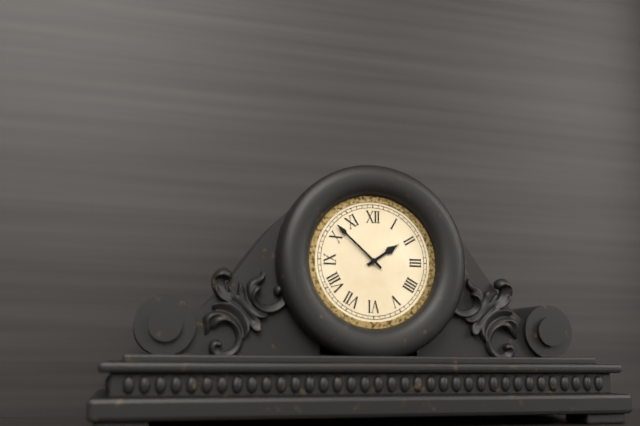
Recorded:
{"hour": 1, "minute": 52}
